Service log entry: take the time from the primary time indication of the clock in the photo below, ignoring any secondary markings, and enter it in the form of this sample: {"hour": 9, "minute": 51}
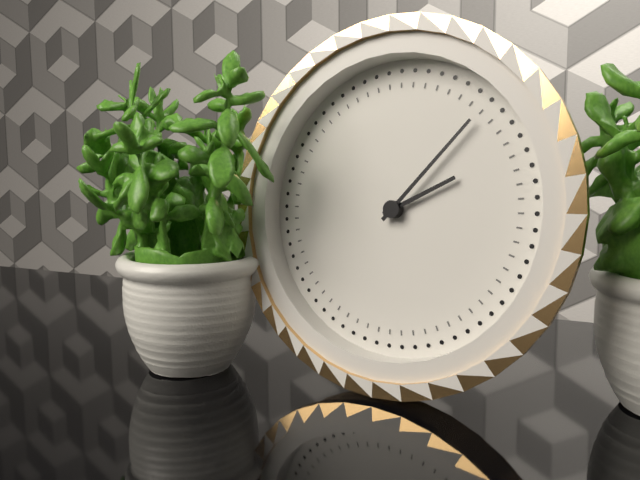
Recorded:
{"hour": 2, "minute": 7}
